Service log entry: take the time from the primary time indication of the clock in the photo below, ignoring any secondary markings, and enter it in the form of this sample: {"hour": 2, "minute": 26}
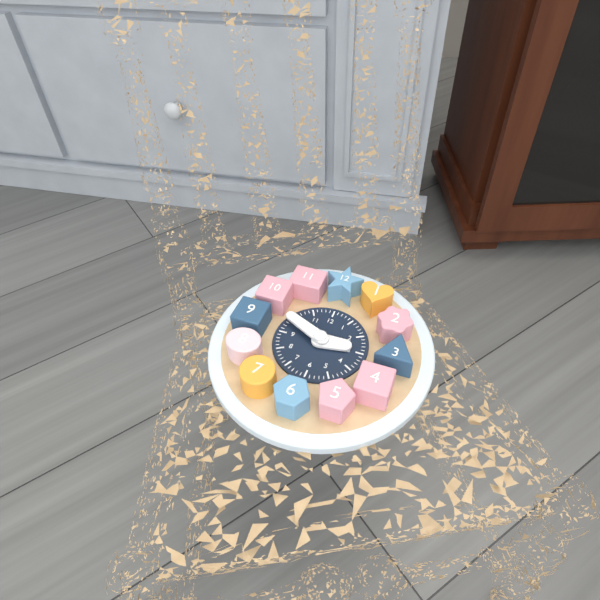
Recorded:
{"hour": 2, "minute": 49}
